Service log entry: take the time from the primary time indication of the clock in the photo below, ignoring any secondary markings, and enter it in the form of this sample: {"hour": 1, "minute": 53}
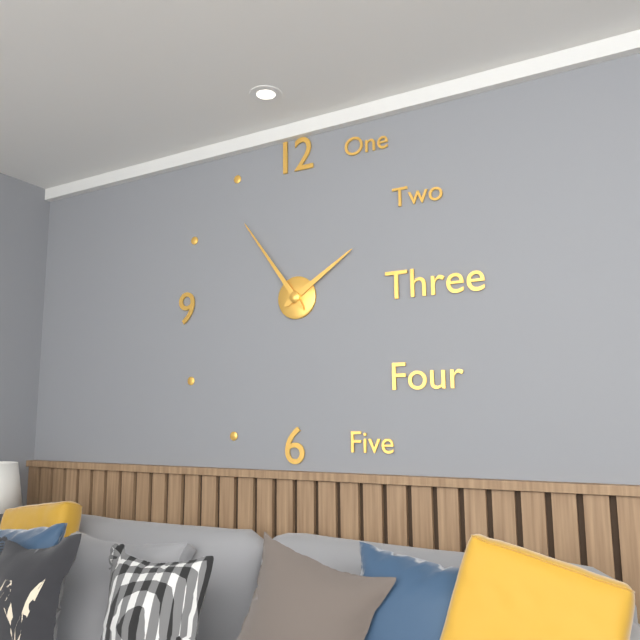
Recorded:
{"hour": 1, "minute": 54}
